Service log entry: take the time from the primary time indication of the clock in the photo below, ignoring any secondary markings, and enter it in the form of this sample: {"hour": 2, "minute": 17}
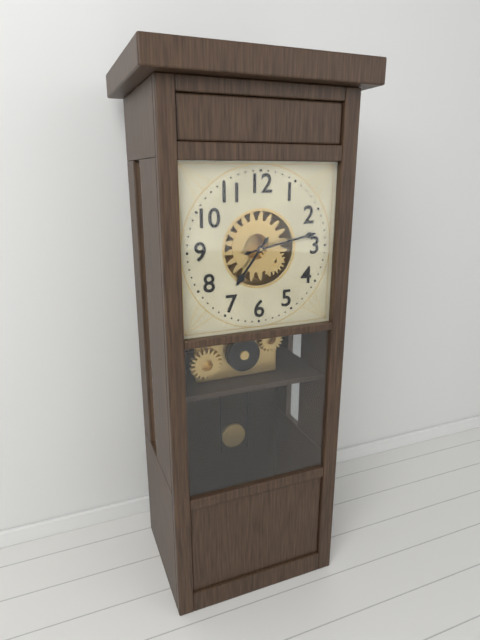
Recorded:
{"hour": 7, "minute": 13}
